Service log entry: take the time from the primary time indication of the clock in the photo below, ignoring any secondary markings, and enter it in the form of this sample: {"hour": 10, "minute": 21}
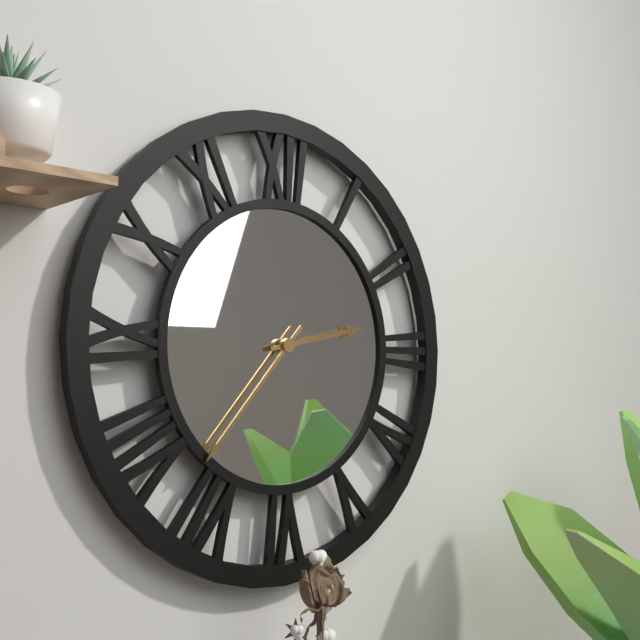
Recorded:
{"hour": 2, "minute": 37}
